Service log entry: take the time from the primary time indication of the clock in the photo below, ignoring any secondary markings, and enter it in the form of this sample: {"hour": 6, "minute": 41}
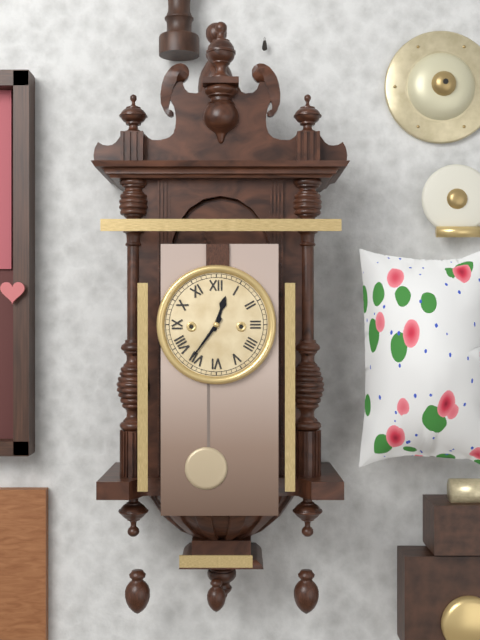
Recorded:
{"hour": 12, "minute": 36}
